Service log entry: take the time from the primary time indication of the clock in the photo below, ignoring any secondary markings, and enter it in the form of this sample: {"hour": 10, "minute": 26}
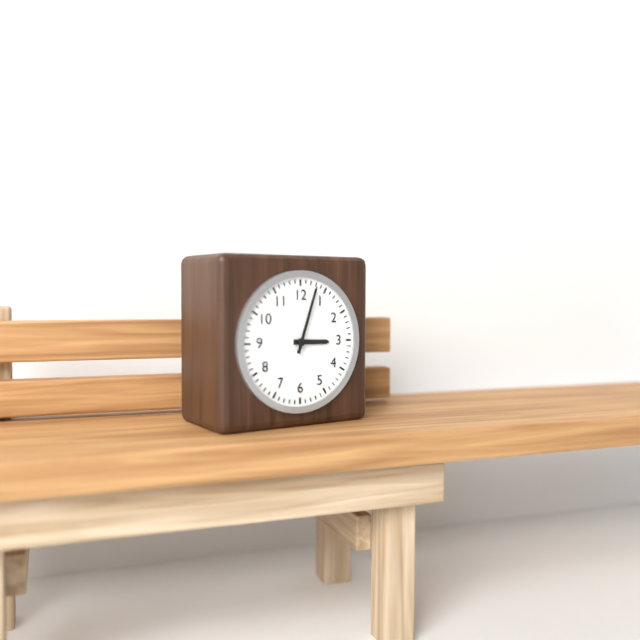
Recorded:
{"hour": 3, "minute": 3}
